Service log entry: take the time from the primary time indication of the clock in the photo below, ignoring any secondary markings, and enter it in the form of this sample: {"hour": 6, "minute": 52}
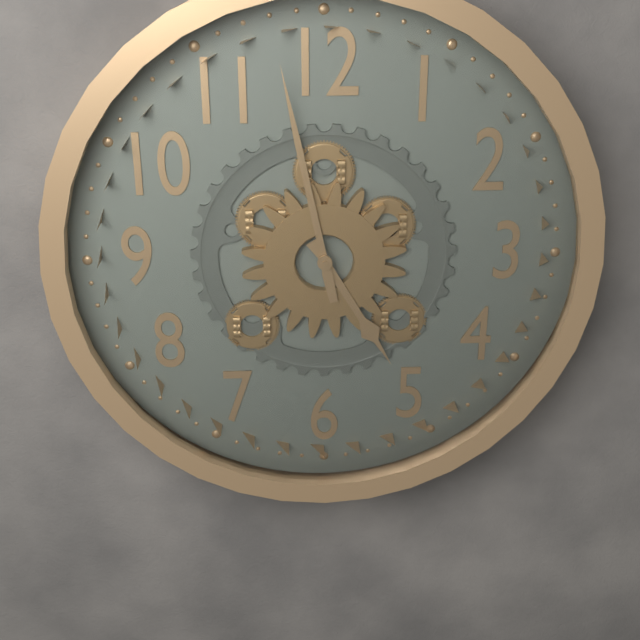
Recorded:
{"hour": 4, "minute": 58}
